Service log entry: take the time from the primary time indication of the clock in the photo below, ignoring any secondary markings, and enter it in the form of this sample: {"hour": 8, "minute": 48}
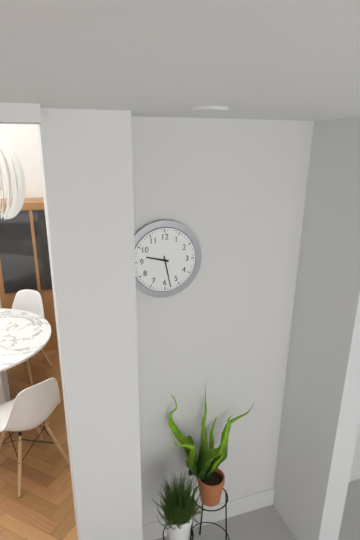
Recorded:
{"hour": 9, "minute": 28}
